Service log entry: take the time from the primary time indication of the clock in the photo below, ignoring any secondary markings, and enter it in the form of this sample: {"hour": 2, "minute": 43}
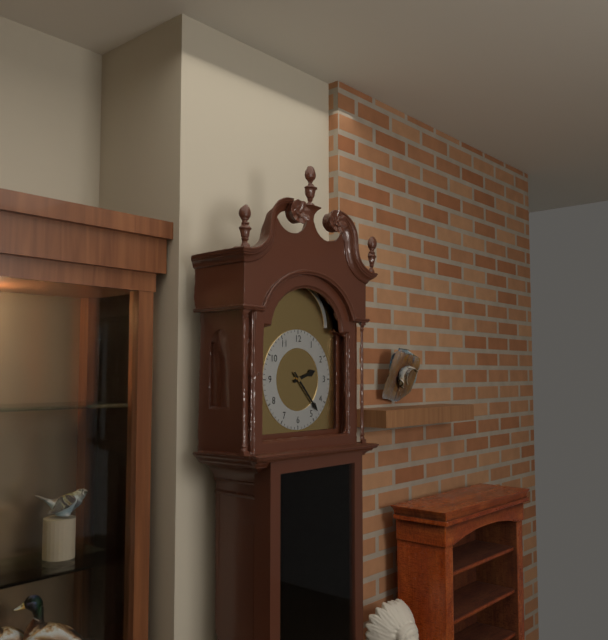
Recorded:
{"hour": 2, "minute": 23}
